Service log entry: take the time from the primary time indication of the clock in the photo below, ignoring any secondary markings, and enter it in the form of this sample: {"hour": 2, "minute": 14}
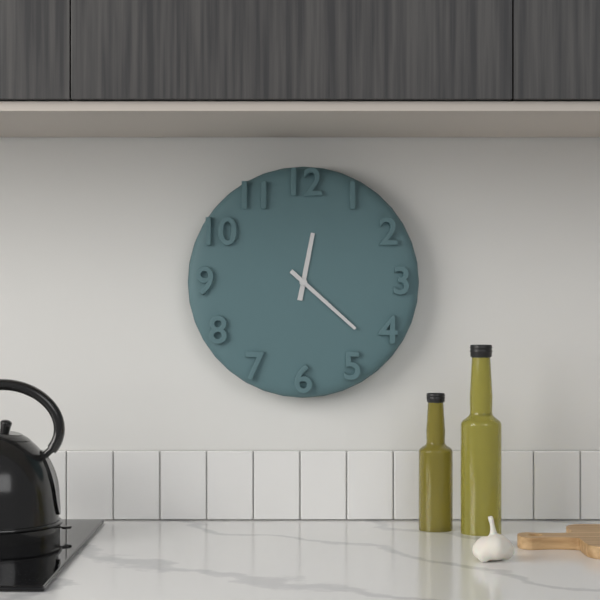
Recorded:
{"hour": 12, "minute": 22}
